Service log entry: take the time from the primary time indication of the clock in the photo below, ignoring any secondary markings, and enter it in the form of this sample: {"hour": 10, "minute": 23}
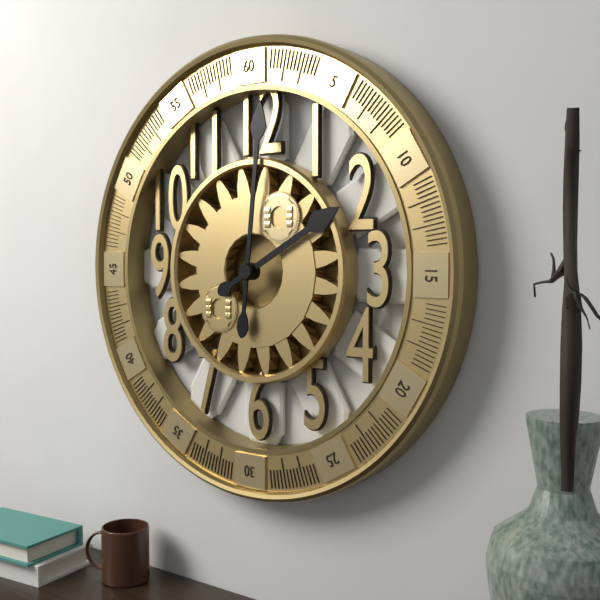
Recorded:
{"hour": 2, "minute": 1}
